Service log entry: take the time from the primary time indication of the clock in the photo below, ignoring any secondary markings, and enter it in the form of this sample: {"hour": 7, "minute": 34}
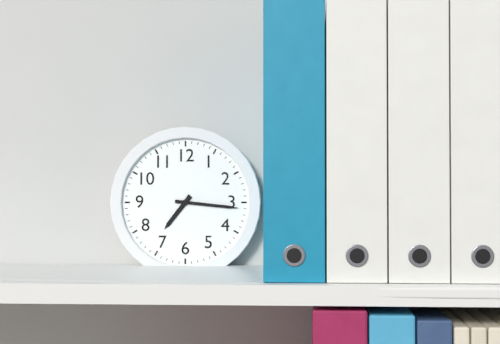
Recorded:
{"hour": 7, "minute": 16}
